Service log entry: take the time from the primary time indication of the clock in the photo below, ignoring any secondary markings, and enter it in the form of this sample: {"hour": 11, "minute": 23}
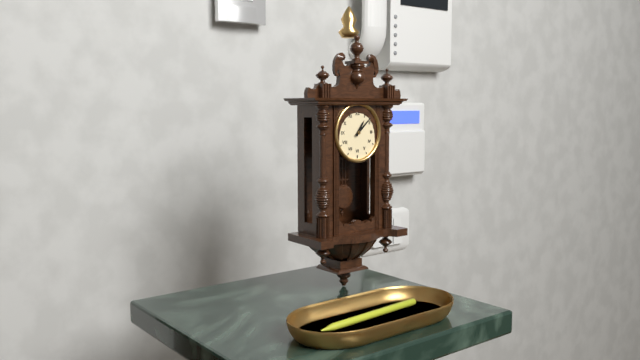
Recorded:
{"hour": 1, "minute": 8}
